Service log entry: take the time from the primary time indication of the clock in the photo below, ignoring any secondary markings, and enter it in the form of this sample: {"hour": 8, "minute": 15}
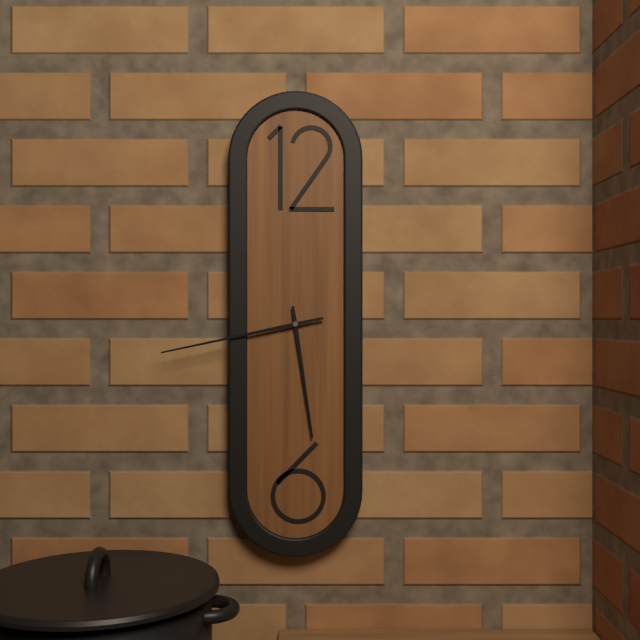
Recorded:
{"hour": 5, "minute": 43}
